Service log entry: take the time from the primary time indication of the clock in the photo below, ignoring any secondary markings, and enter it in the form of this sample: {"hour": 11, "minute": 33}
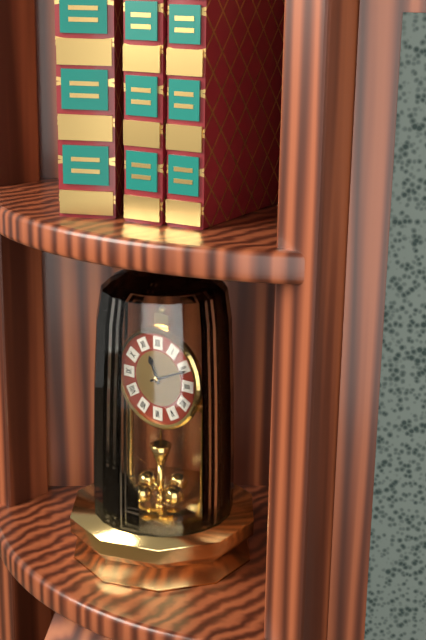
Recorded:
{"hour": 11, "minute": 11}
